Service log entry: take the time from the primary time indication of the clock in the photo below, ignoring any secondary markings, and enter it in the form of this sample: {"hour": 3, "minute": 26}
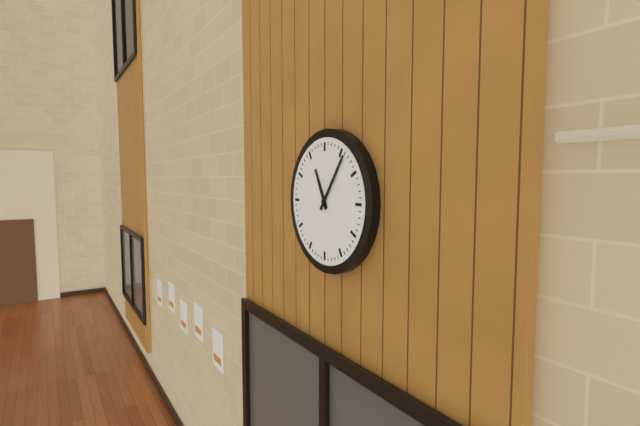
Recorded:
{"hour": 11, "minute": 6}
